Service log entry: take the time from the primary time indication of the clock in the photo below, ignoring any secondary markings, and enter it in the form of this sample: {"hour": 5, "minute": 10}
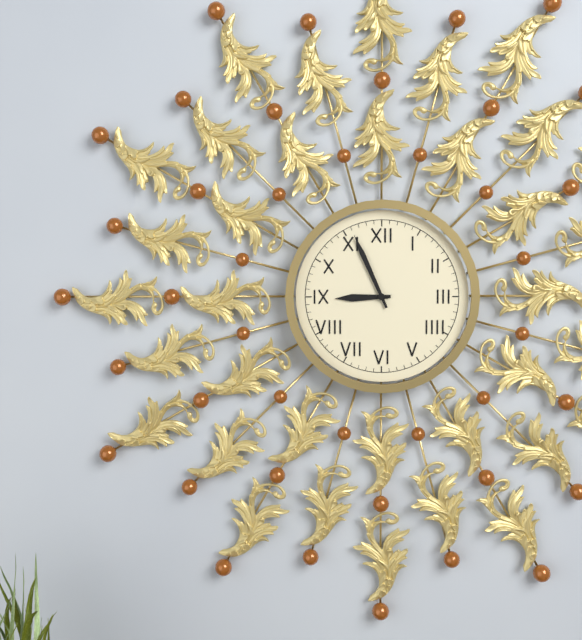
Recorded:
{"hour": 8, "minute": 56}
